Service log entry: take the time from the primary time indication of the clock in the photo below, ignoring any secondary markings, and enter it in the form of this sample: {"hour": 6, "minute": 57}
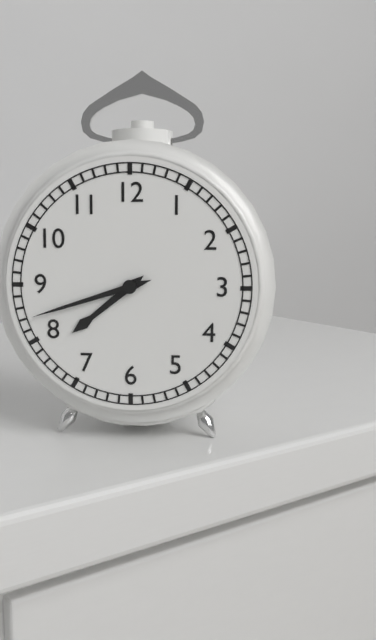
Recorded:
{"hour": 7, "minute": 42}
